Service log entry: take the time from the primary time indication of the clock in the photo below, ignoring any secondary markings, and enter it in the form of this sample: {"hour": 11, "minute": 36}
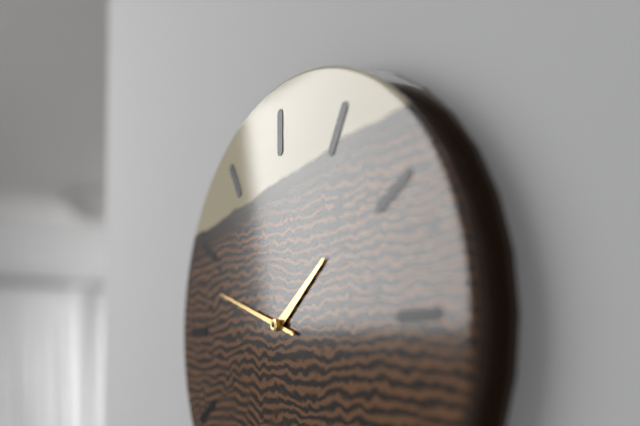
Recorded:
{"hour": 1, "minute": 48}
